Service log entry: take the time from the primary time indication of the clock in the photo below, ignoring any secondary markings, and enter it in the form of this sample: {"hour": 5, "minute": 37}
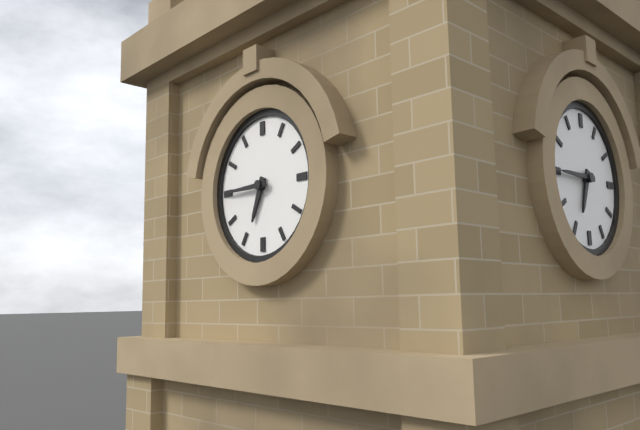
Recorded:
{"hour": 6, "minute": 45}
